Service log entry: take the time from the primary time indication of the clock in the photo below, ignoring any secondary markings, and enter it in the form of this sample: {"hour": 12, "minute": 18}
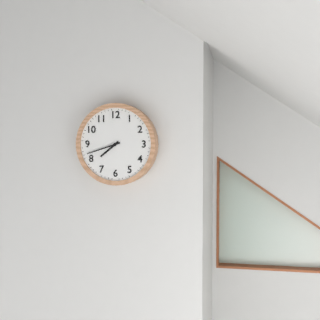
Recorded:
{"hour": 7, "minute": 42}
